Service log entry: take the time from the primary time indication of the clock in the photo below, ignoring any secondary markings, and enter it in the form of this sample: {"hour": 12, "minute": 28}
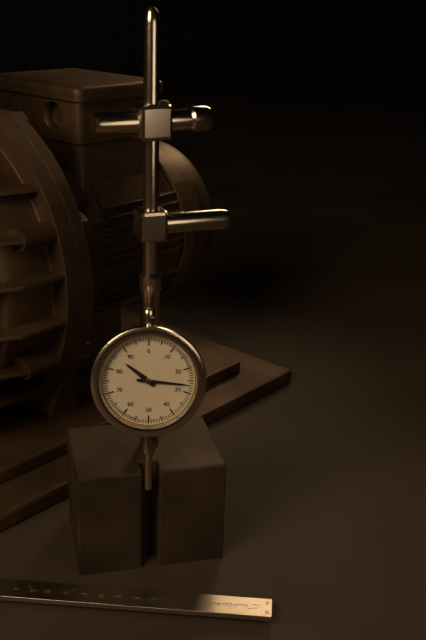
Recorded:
{"hour": 10, "minute": 16}
